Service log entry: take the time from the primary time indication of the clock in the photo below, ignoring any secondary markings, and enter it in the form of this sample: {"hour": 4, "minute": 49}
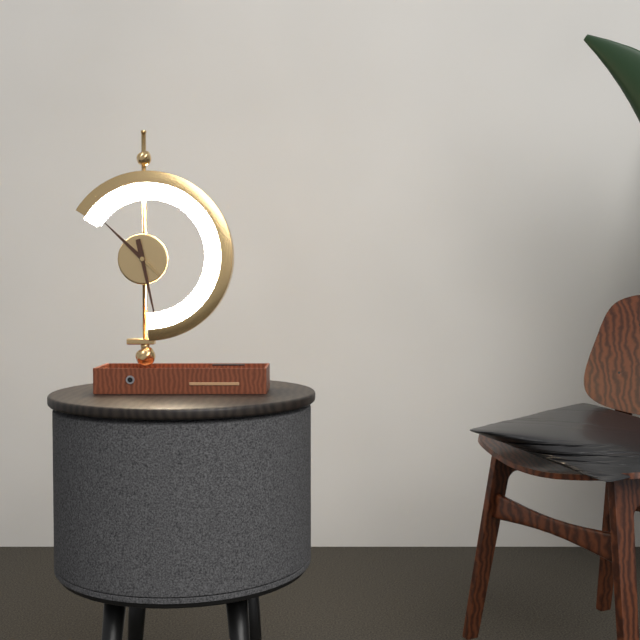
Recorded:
{"hour": 10, "minute": 28}
